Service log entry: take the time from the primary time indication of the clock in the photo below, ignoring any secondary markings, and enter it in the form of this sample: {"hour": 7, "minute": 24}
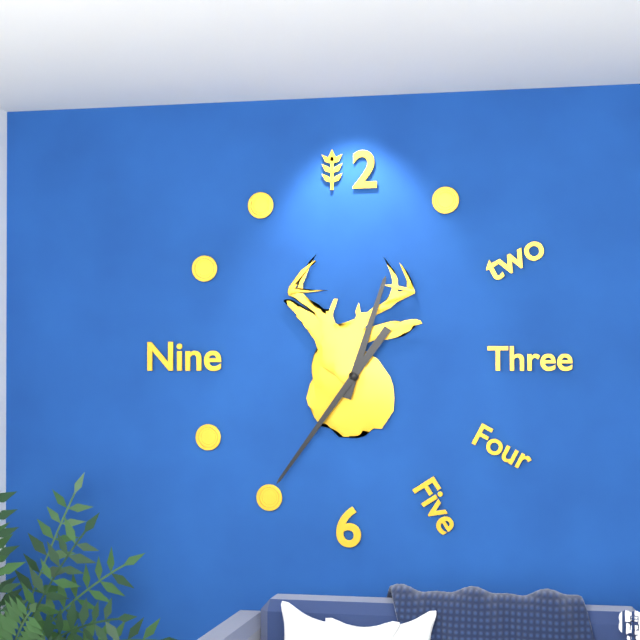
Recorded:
{"hour": 12, "minute": 36}
